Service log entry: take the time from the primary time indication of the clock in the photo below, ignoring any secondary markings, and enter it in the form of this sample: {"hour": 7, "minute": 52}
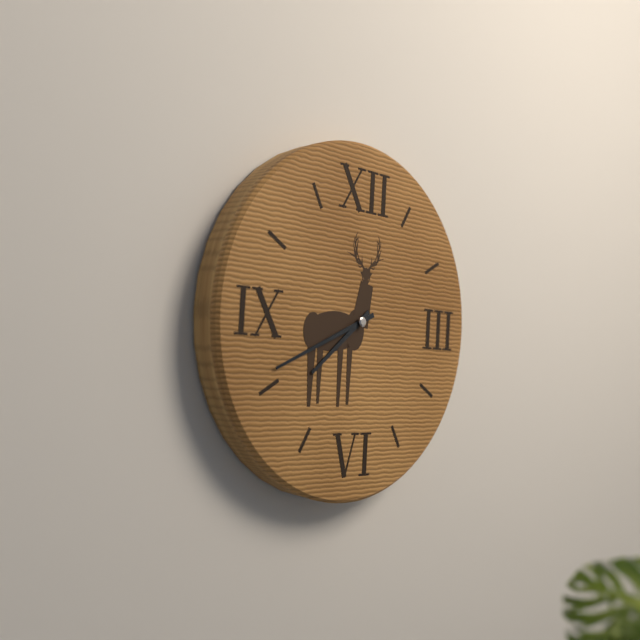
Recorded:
{"hour": 7, "minute": 41}
